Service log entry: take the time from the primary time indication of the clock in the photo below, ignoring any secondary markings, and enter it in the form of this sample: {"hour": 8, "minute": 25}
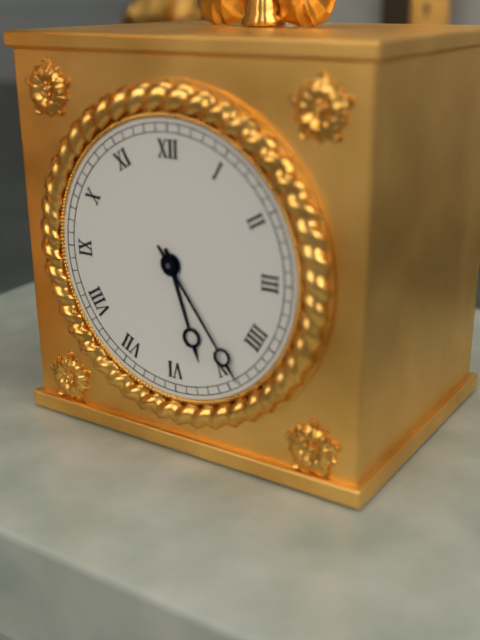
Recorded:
{"hour": 5, "minute": 24}
